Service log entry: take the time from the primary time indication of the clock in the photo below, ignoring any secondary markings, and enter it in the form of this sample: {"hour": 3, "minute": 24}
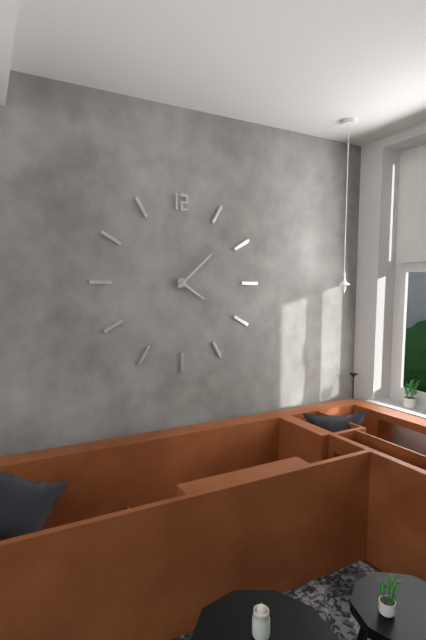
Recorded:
{"hour": 4, "minute": 8}
